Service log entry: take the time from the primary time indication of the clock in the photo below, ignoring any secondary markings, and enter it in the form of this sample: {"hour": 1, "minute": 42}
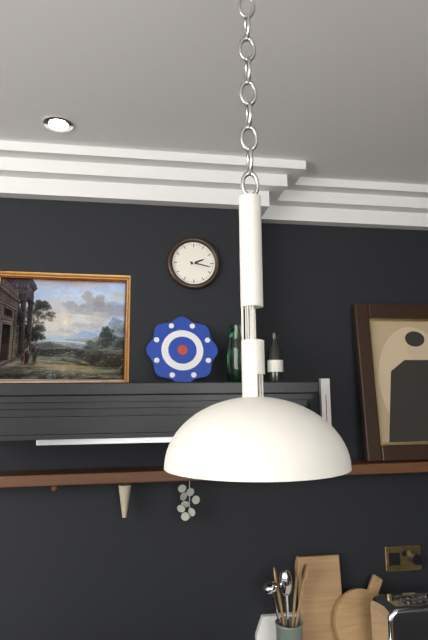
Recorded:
{"hour": 2, "minute": 17}
